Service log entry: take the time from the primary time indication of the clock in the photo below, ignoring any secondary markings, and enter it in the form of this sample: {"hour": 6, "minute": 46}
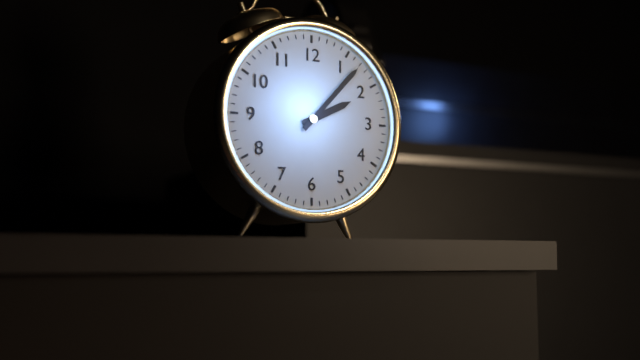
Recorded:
{"hour": 2, "minute": 7}
